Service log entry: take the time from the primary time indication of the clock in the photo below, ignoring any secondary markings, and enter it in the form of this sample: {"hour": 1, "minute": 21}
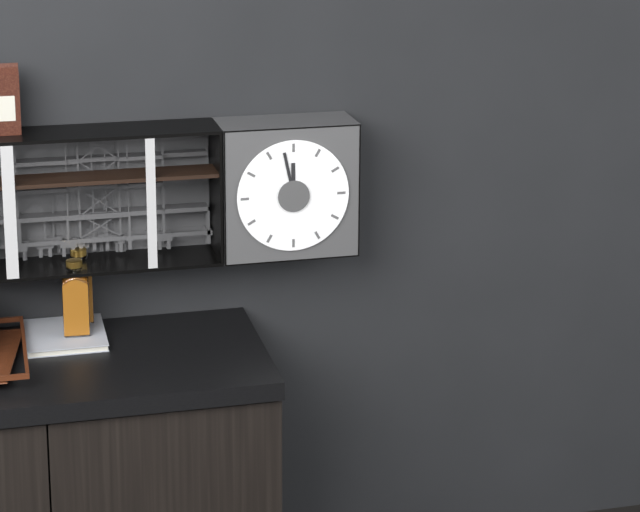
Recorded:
{"hour": 11, "minute": 58}
